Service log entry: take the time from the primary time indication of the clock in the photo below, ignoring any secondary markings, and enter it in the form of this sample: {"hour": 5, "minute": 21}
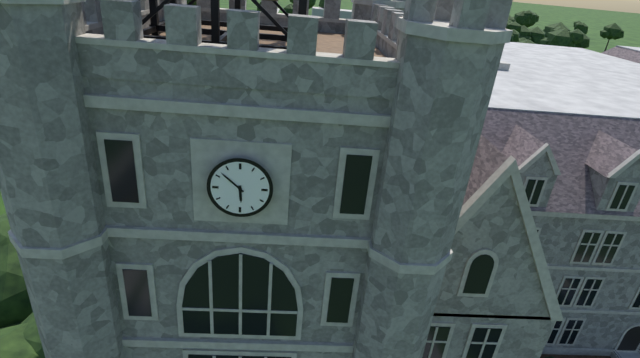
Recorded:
{"hour": 5, "minute": 52}
